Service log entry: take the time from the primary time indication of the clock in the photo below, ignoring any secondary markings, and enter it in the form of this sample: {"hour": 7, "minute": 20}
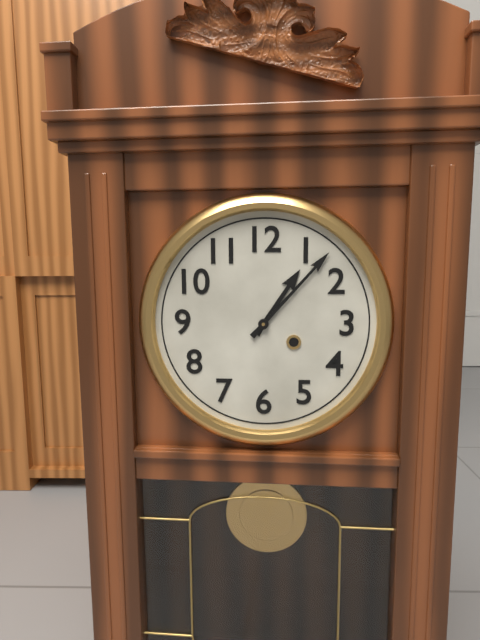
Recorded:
{"hour": 1, "minute": 7}
